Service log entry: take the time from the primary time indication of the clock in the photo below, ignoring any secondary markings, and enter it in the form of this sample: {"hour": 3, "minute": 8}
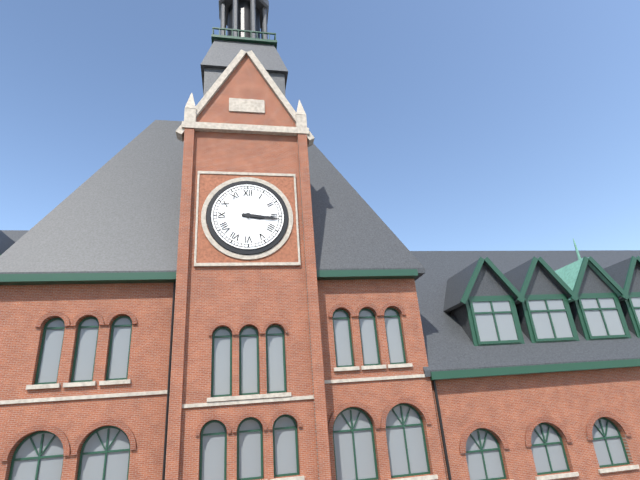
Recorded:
{"hour": 3, "minute": 16}
